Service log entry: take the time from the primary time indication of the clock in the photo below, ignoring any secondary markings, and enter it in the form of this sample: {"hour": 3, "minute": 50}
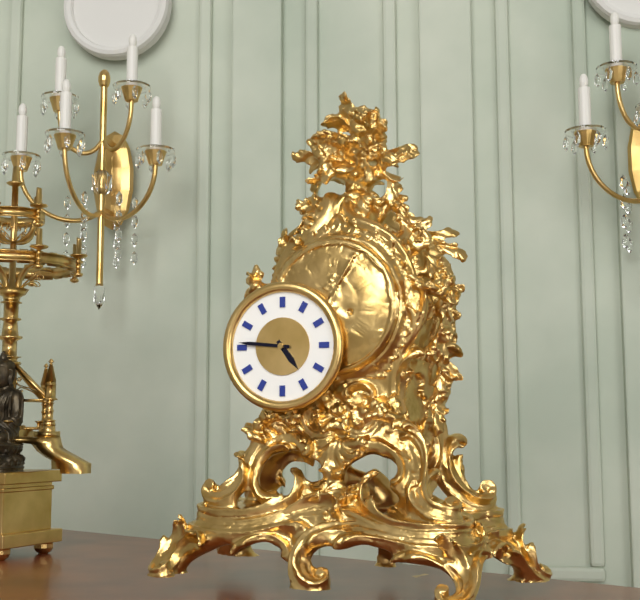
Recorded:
{"hour": 4, "minute": 46}
